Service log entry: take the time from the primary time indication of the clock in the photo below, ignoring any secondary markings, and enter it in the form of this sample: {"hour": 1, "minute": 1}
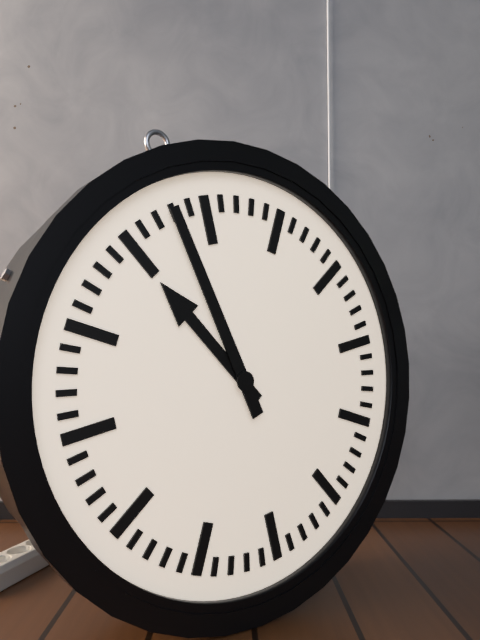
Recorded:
{"hour": 10, "minute": 58}
